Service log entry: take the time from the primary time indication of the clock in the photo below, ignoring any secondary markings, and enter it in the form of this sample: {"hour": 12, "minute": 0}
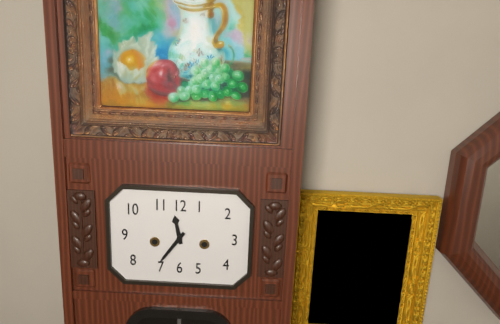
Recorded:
{"hour": 11, "minute": 36}
